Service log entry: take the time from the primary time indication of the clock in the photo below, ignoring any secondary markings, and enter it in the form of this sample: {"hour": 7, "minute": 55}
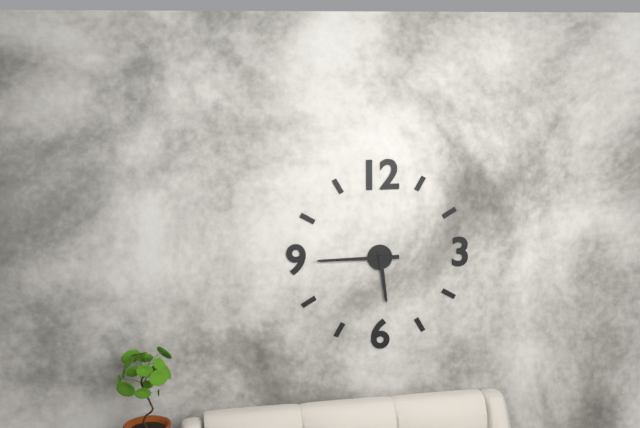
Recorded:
{"hour": 5, "minute": 45}
